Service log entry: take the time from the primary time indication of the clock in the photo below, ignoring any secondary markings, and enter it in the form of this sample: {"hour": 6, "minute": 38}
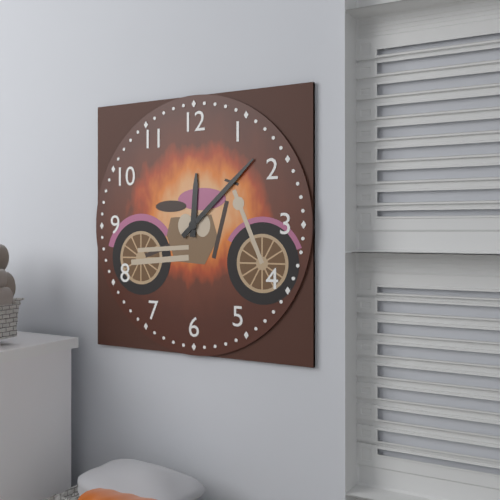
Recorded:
{"hour": 12, "minute": 8}
